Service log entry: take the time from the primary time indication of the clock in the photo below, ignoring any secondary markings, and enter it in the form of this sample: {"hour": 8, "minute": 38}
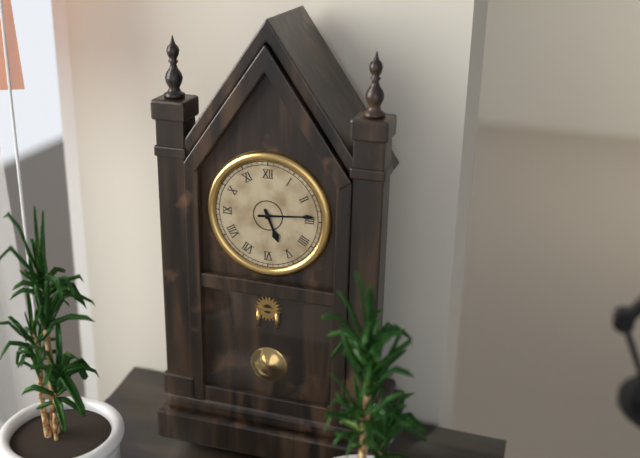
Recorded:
{"hour": 5, "minute": 14}
